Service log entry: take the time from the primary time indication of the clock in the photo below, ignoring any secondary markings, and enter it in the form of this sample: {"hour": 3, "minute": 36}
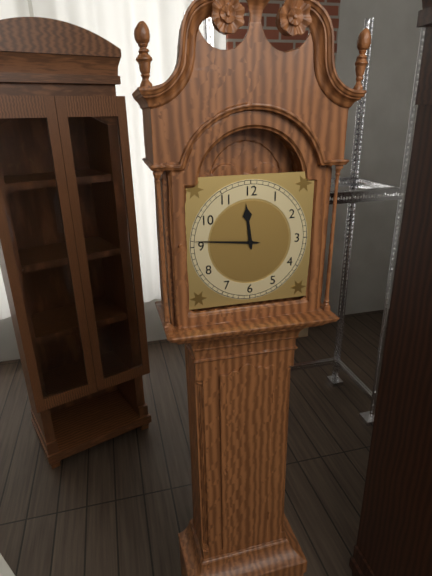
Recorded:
{"hour": 11, "minute": 46}
